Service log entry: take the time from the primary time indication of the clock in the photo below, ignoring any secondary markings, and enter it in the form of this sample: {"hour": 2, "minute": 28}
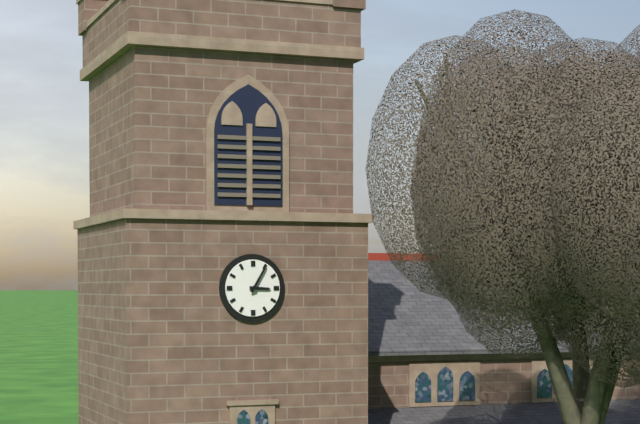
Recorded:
{"hour": 3, "minute": 5}
